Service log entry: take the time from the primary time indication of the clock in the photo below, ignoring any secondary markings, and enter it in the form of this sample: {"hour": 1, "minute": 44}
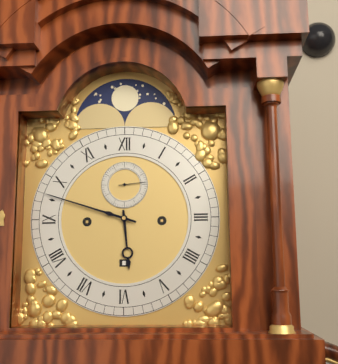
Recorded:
{"hour": 5, "minute": 48}
